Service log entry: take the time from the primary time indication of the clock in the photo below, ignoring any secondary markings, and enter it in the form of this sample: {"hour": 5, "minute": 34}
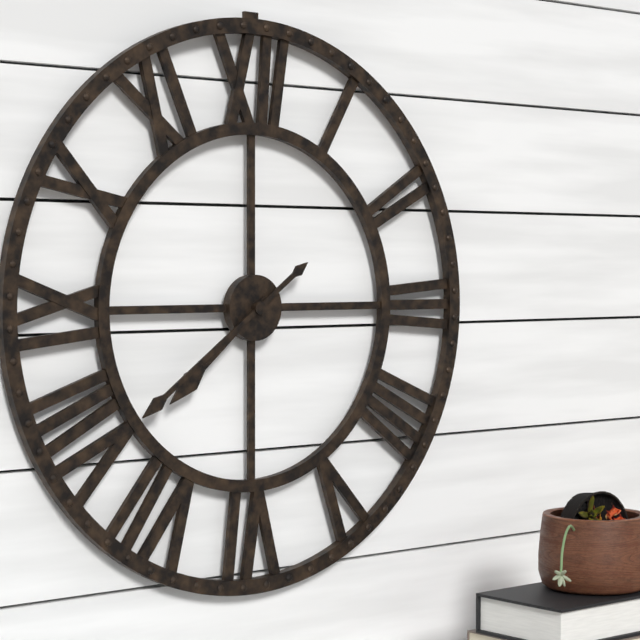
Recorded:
{"hour": 7, "minute": 39}
